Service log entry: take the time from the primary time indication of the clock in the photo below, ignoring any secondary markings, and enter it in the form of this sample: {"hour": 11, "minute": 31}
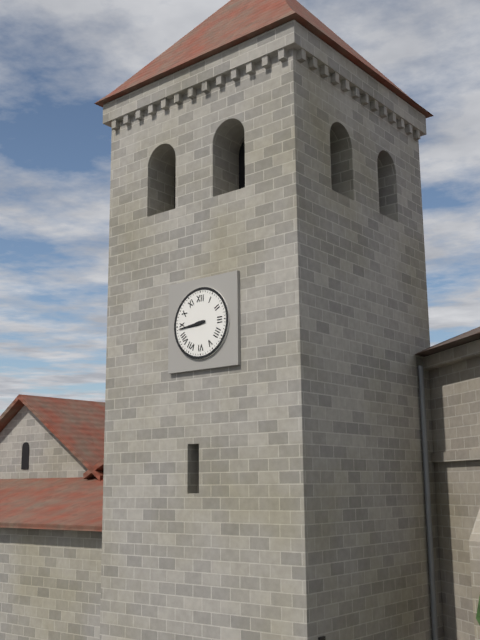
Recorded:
{"hour": 8, "minute": 44}
